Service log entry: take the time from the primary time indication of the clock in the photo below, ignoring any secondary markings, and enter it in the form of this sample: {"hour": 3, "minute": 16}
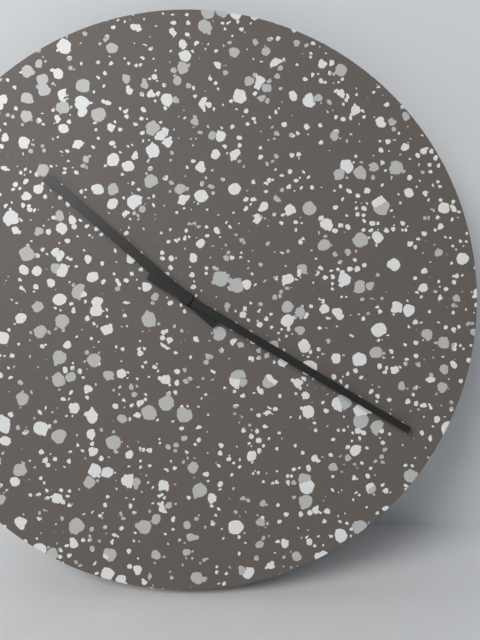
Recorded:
{"hour": 10, "minute": 20}
